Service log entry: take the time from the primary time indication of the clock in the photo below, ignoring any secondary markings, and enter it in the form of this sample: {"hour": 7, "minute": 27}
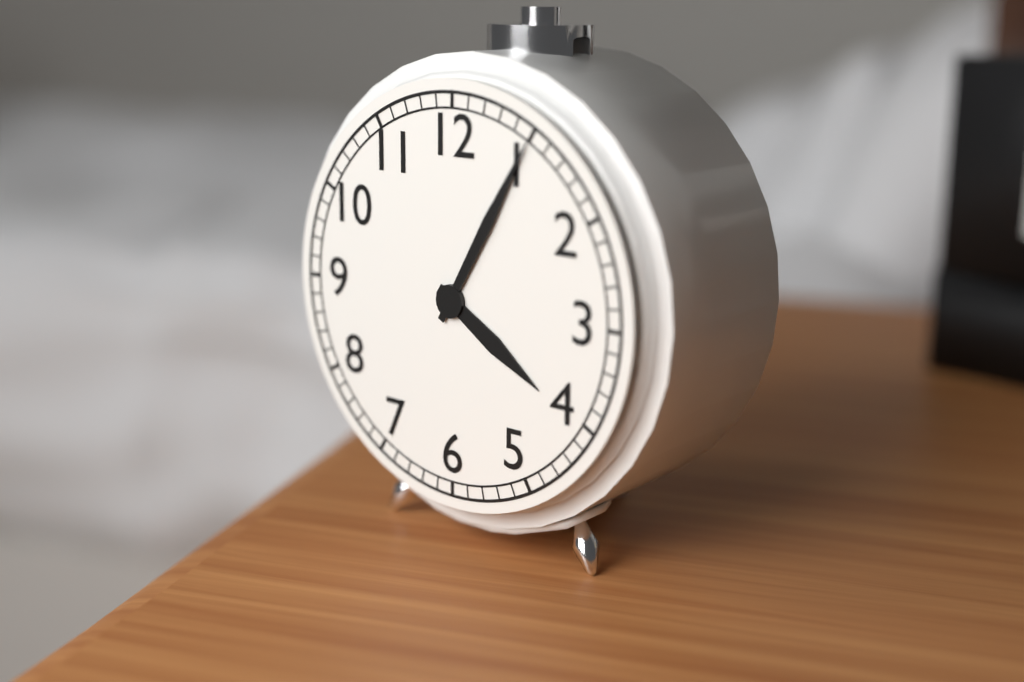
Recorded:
{"hour": 4, "minute": 5}
